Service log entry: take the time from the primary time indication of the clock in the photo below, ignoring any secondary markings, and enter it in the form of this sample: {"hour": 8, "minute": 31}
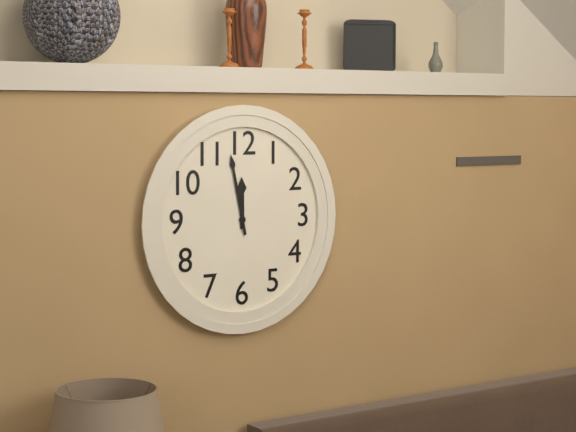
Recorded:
{"hour": 11, "minute": 58}
